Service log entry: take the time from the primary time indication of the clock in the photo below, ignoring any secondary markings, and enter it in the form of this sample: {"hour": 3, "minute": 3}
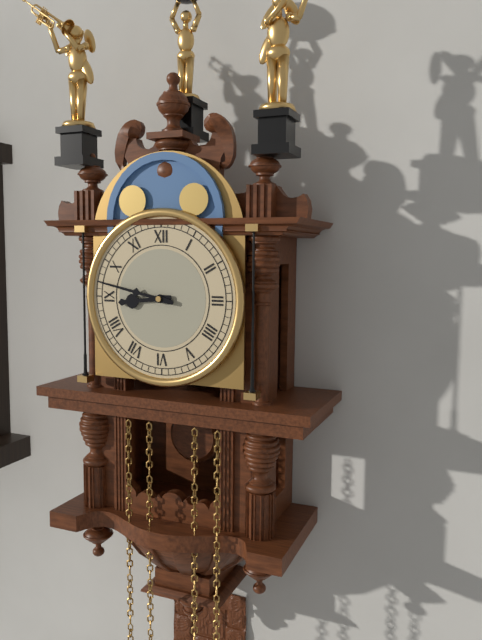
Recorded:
{"hour": 8, "minute": 47}
